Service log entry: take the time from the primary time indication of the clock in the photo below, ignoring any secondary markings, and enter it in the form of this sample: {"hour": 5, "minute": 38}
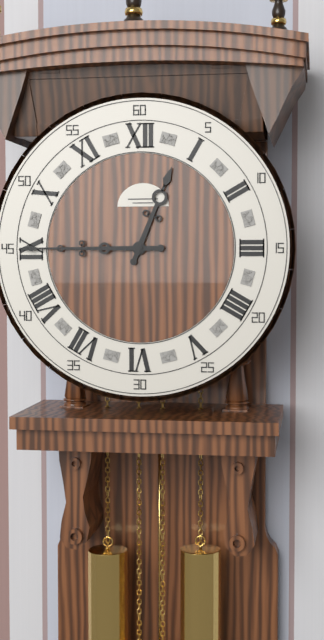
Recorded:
{"hour": 12, "minute": 45}
